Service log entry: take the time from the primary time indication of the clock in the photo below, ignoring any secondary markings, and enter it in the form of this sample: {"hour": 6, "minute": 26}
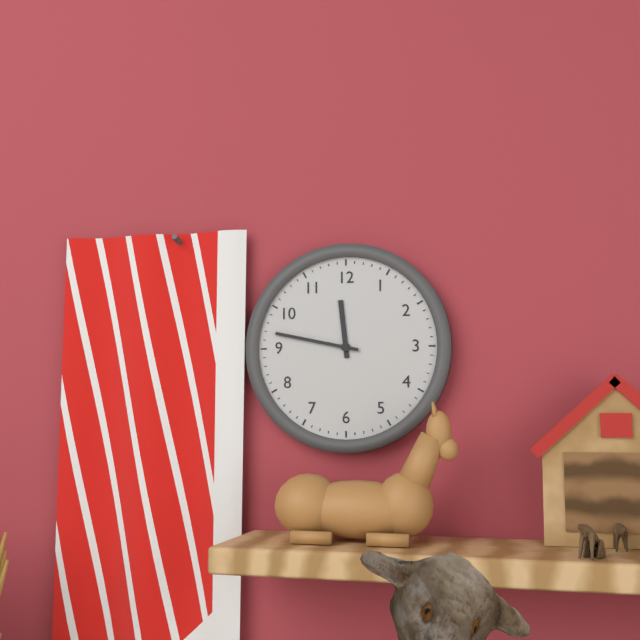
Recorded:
{"hour": 11, "minute": 47}
